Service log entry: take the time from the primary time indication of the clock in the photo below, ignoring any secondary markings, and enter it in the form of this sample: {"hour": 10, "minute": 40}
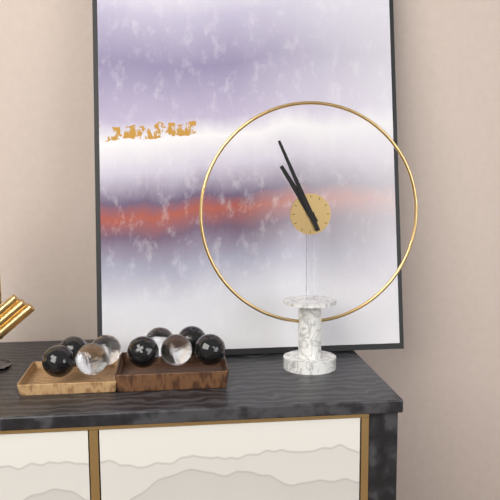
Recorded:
{"hour": 10, "minute": 56}
